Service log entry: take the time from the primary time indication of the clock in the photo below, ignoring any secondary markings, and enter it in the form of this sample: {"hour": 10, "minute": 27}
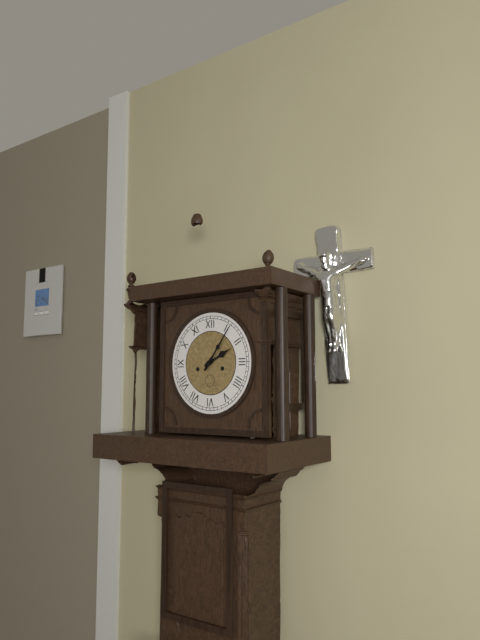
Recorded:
{"hour": 2, "minute": 6}
